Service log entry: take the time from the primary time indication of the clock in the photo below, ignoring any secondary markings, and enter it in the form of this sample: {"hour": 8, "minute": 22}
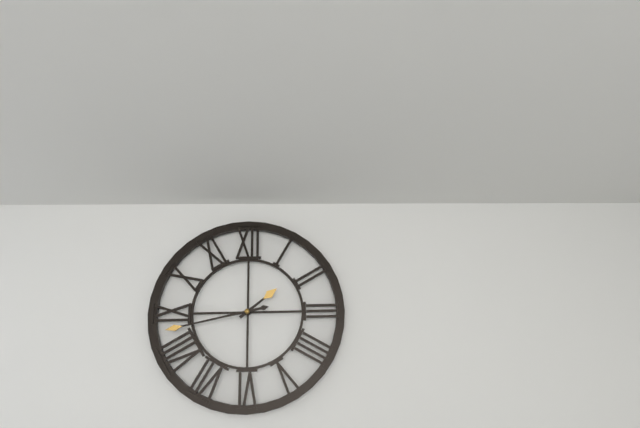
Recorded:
{"hour": 1, "minute": 43}
